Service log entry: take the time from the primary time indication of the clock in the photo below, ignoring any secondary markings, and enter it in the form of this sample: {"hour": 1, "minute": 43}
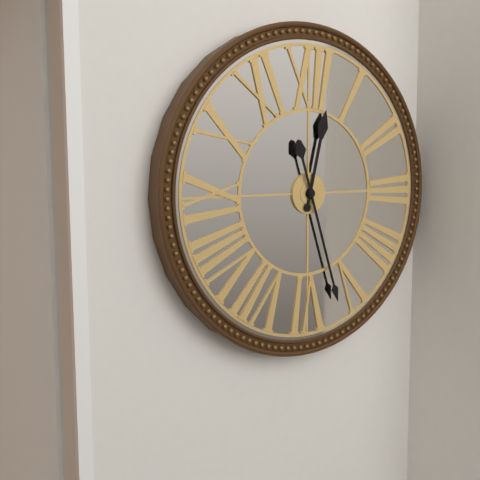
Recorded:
{"hour": 12, "minute": 27}
